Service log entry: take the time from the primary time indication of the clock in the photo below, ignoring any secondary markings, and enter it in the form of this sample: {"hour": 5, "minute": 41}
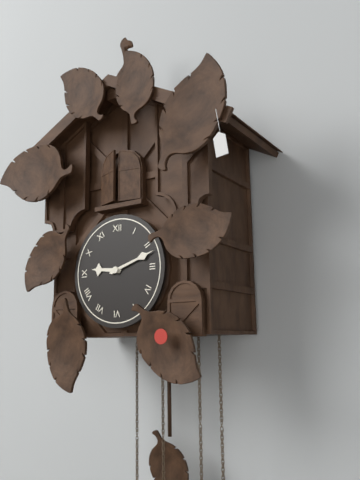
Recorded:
{"hour": 9, "minute": 12}
